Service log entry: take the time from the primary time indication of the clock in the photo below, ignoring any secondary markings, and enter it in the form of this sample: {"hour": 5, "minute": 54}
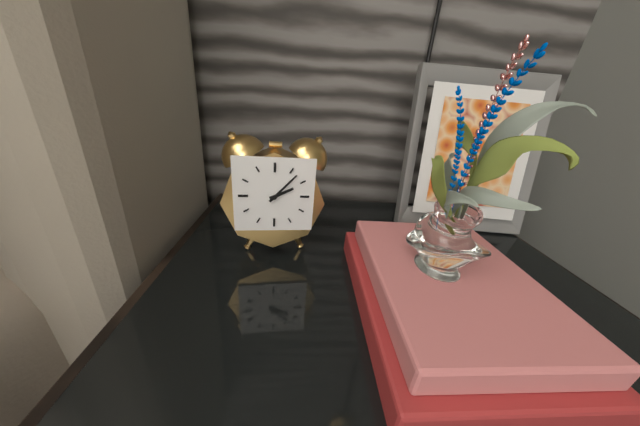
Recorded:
{"hour": 2, "minute": 7}
